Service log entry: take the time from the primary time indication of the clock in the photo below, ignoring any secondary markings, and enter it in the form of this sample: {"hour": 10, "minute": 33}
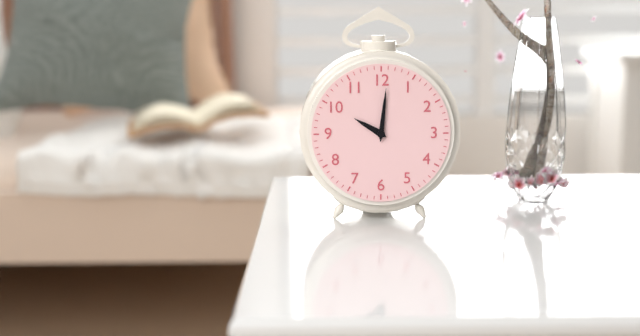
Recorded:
{"hour": 10, "minute": 1}
